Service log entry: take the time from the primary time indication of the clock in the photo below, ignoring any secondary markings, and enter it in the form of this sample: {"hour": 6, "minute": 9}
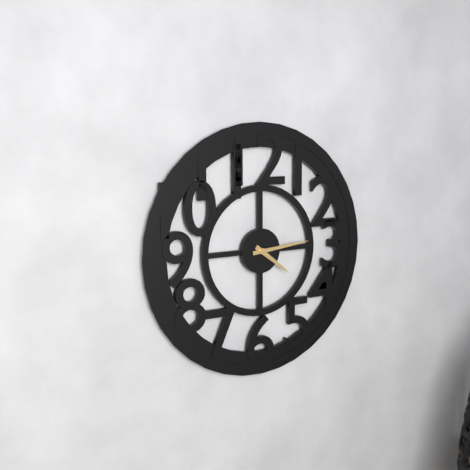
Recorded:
{"hour": 4, "minute": 14}
